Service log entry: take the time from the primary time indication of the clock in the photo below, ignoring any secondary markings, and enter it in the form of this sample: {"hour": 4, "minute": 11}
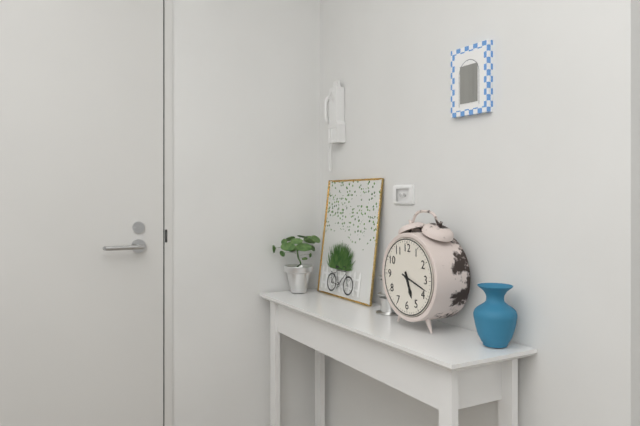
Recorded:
{"hour": 5, "minute": 18}
